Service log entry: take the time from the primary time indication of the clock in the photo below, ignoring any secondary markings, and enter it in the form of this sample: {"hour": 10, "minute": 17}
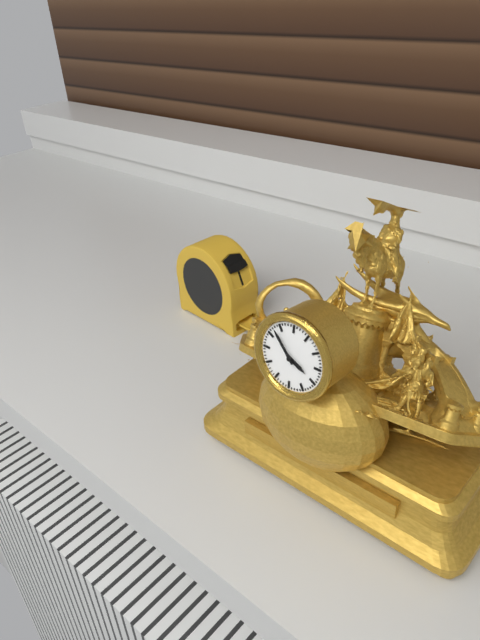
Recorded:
{"hour": 3, "minute": 53}
